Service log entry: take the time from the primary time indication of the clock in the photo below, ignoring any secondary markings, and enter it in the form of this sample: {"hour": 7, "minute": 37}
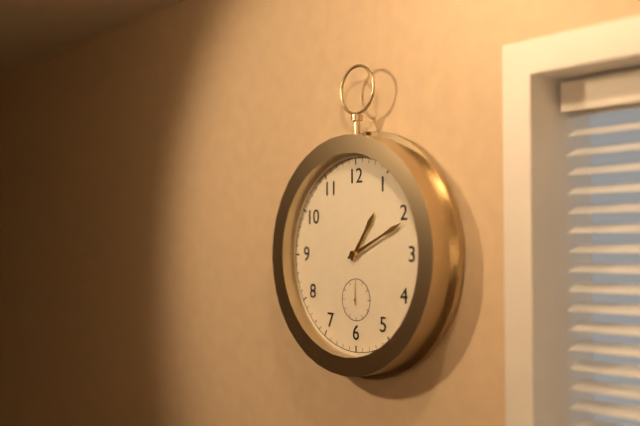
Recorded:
{"hour": 1, "minute": 11}
